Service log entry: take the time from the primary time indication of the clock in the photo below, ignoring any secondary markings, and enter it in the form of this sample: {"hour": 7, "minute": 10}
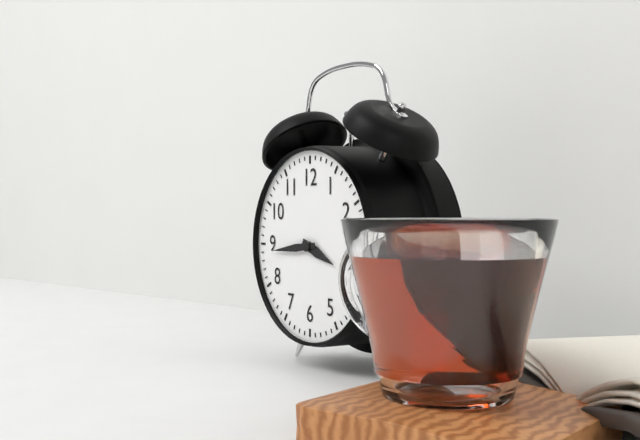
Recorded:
{"hour": 3, "minute": 44}
